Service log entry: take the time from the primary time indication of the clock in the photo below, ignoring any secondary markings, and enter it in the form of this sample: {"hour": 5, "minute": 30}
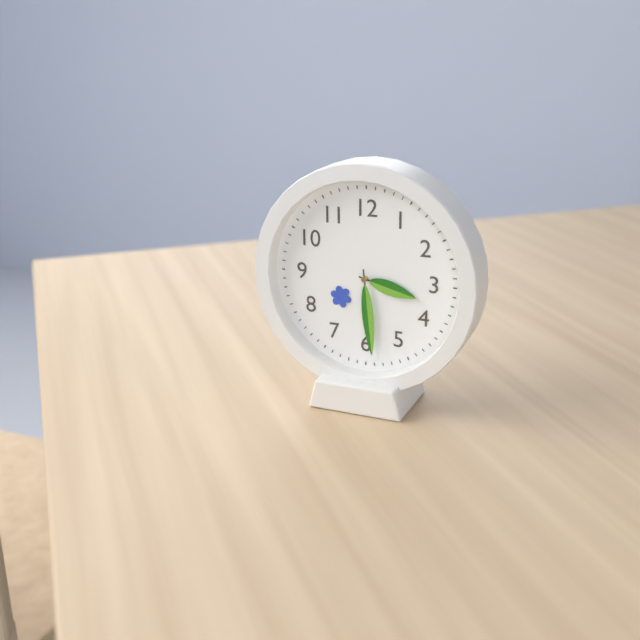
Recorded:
{"hour": 3, "minute": 29}
